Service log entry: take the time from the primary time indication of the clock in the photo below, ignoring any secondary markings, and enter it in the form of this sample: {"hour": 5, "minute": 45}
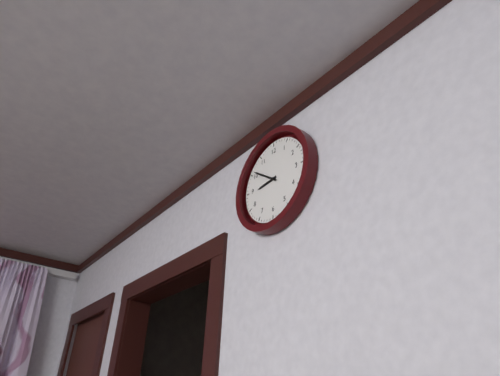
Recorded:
{"hour": 8, "minute": 51}
